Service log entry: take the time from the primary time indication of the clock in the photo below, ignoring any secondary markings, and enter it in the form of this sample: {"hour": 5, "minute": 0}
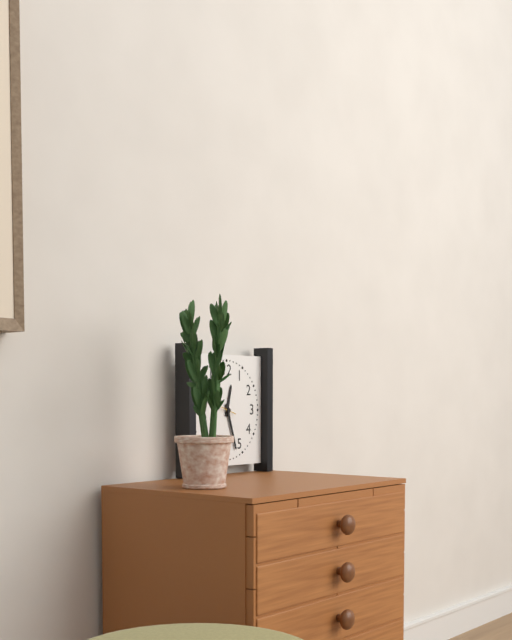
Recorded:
{"hour": 12, "minute": 27}
